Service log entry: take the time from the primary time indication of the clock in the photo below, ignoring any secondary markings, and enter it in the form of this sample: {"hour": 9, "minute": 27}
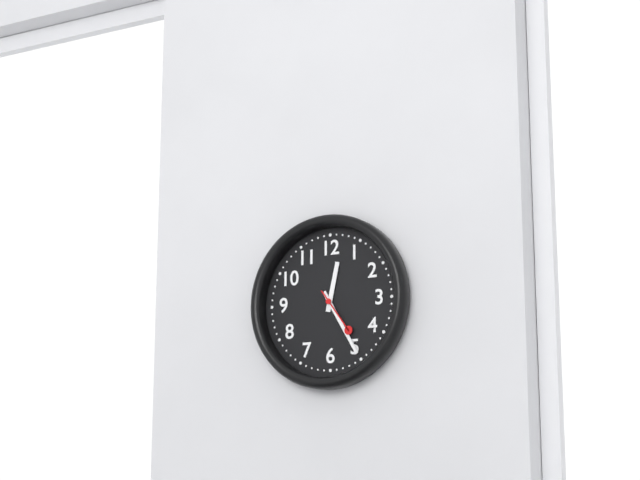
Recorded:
{"hour": 12, "minute": 25}
